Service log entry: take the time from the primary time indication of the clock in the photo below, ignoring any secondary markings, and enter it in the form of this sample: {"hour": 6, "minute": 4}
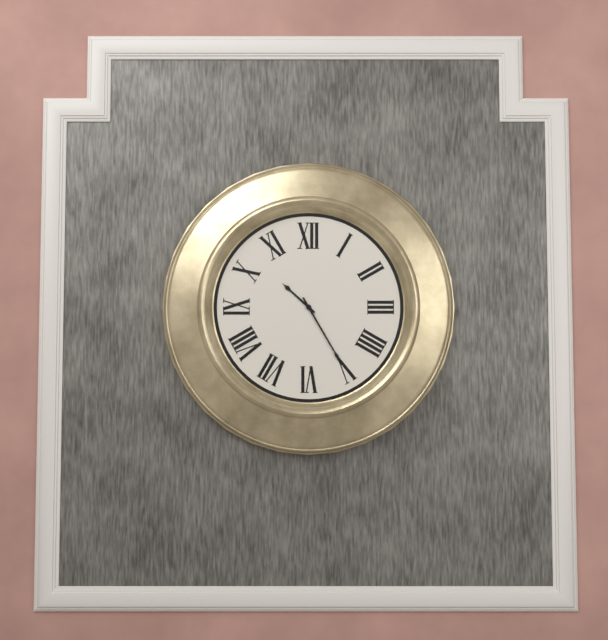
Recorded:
{"hour": 10, "minute": 25}
